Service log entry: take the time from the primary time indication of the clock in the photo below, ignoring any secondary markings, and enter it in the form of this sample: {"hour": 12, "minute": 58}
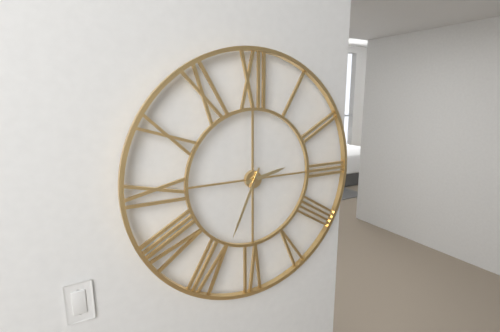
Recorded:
{"hour": 2, "minute": 34}
